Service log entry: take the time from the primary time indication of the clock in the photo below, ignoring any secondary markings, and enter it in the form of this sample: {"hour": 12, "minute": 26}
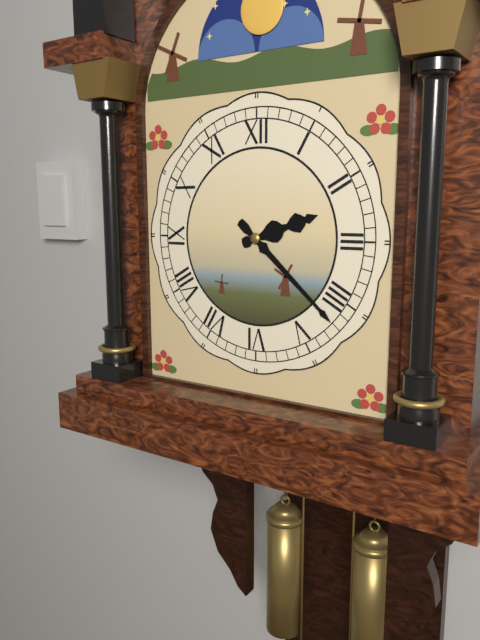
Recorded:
{"hour": 2, "minute": 22}
